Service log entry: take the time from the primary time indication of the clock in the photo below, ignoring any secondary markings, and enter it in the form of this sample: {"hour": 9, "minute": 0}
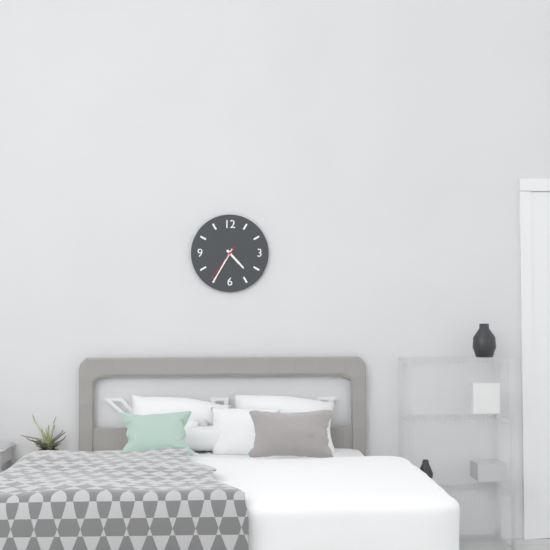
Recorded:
{"hour": 4, "minute": 35}
